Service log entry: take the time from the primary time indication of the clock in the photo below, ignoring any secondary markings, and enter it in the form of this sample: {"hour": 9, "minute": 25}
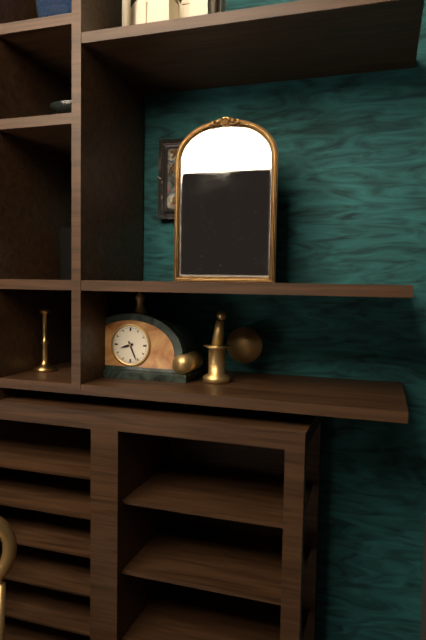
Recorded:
{"hour": 8, "minute": 26}
